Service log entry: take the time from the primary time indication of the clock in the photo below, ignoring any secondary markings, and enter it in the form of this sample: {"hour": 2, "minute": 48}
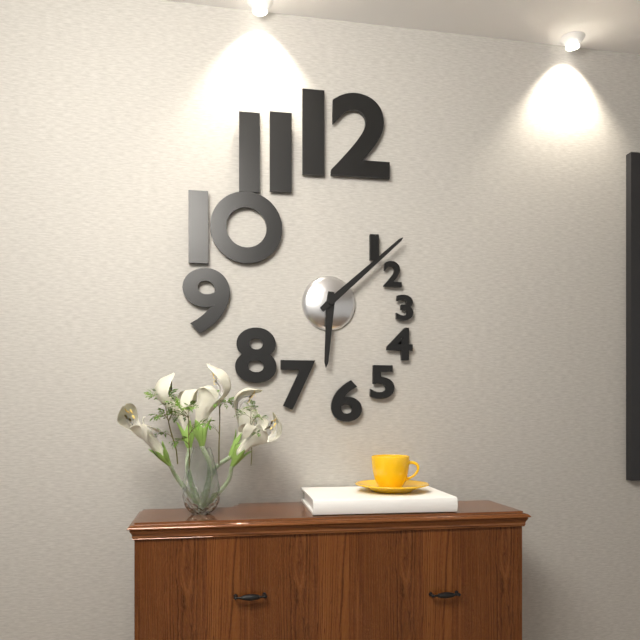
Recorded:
{"hour": 6, "minute": 8}
